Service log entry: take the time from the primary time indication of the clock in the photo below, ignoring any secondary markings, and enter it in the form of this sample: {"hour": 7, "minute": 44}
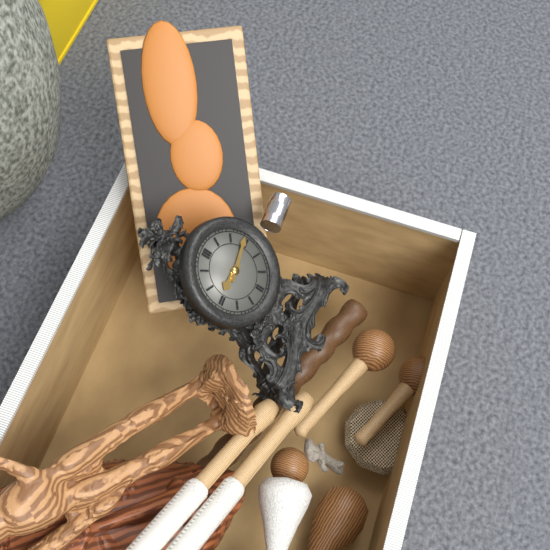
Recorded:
{"hour": 9, "minute": 14}
